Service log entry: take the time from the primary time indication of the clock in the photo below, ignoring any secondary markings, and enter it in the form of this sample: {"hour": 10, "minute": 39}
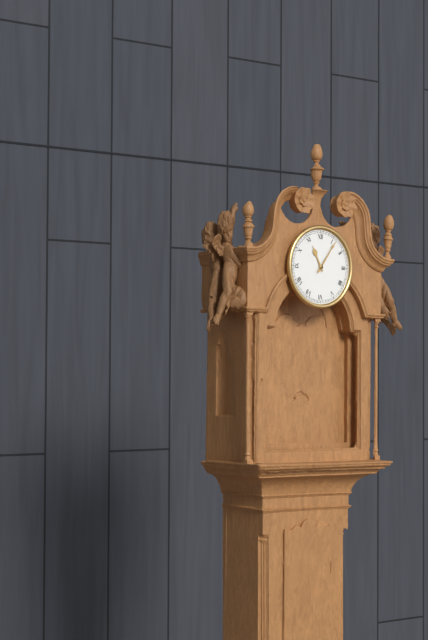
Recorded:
{"hour": 11, "minute": 6}
